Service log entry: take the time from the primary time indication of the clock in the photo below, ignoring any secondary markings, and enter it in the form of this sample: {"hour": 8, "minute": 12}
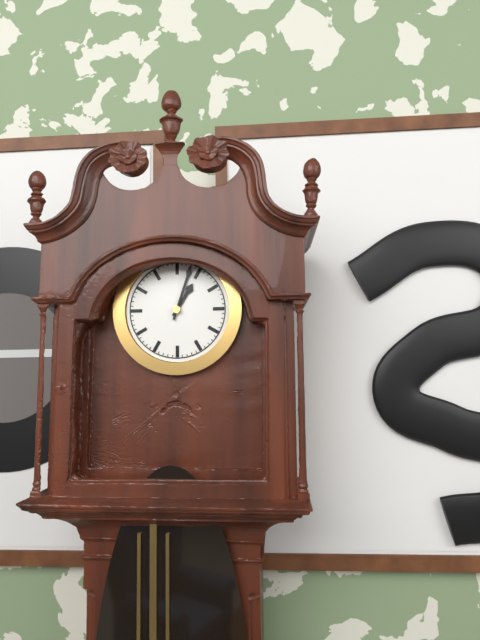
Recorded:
{"hour": 1, "minute": 3}
